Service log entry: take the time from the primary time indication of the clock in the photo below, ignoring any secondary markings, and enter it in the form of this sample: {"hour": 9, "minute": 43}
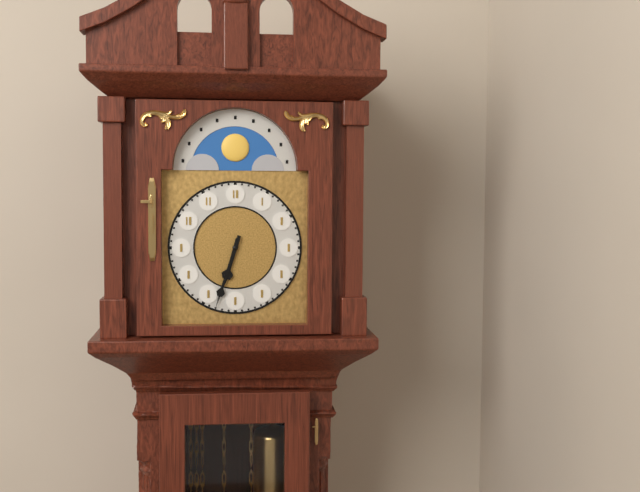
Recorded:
{"hour": 6, "minute": 33}
